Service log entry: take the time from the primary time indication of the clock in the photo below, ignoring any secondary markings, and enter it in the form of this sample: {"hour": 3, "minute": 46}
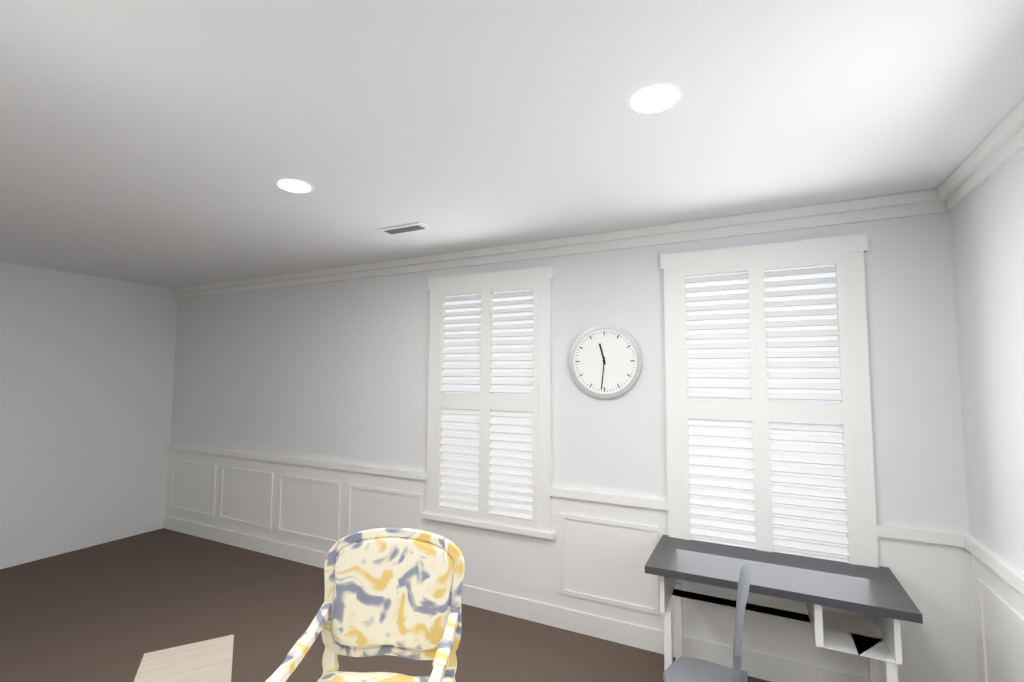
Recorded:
{"hour": 11, "minute": 31}
